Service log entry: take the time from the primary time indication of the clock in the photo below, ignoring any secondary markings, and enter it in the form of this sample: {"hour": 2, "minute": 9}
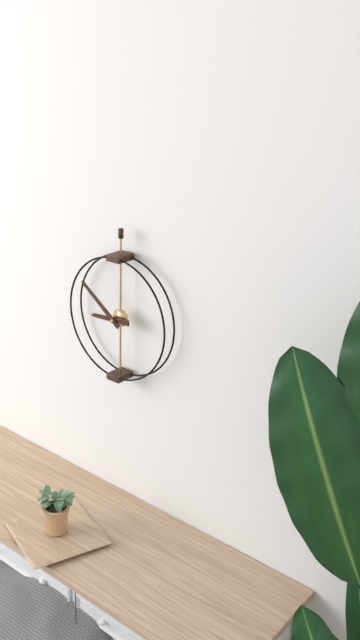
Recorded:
{"hour": 8, "minute": 51}
